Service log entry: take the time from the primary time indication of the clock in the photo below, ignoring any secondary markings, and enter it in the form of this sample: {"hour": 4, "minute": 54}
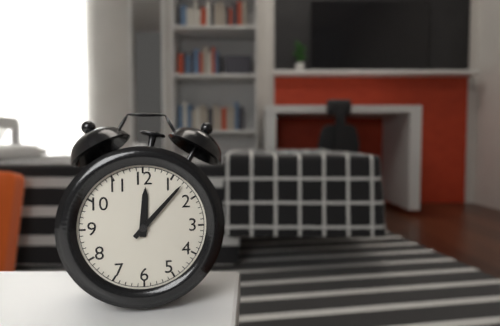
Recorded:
{"hour": 12, "minute": 7}
